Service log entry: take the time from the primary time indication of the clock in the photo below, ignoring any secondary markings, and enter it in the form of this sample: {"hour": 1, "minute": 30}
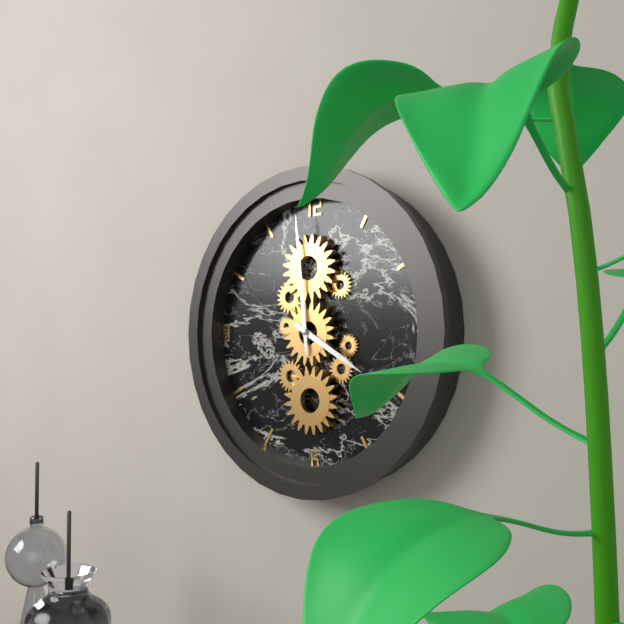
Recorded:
{"hour": 3, "minute": 59}
